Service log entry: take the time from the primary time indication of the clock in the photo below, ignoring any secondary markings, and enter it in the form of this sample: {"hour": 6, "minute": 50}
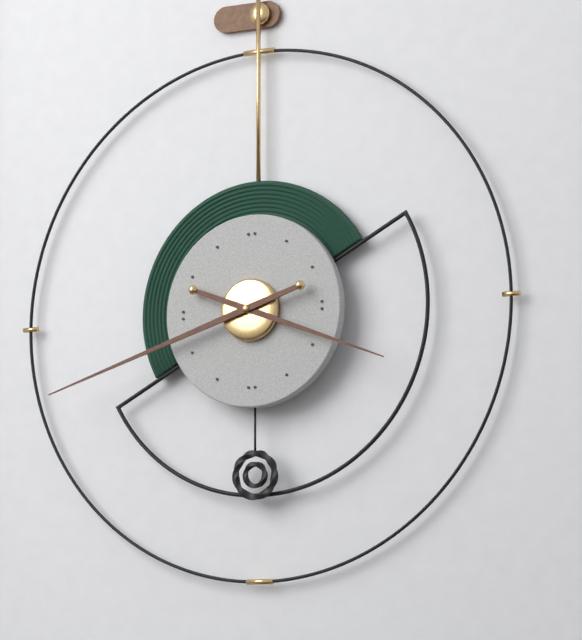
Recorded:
{"hour": 3, "minute": 42}
